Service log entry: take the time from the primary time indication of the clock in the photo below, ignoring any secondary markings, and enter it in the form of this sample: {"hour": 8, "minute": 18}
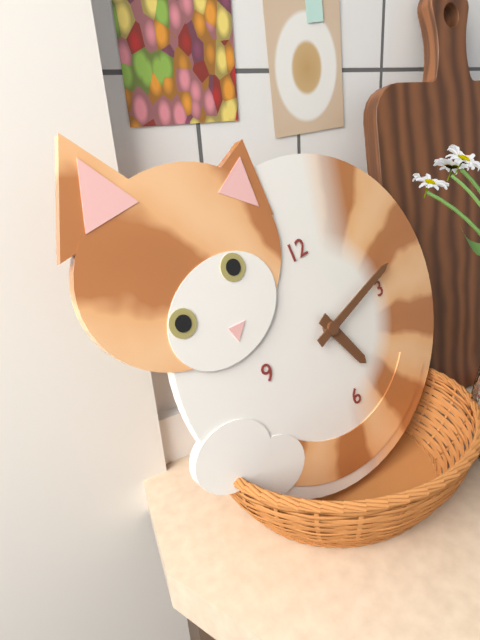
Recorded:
{"hour": 5, "minute": 13}
